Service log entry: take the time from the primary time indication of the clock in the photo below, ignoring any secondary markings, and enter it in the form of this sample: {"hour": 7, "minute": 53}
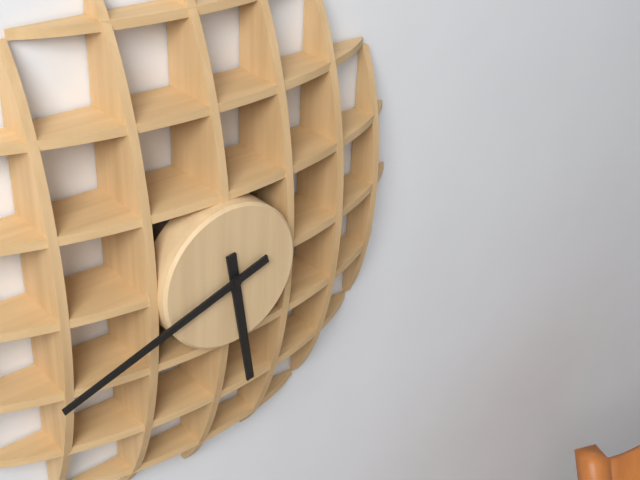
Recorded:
{"hour": 5, "minute": 42}
